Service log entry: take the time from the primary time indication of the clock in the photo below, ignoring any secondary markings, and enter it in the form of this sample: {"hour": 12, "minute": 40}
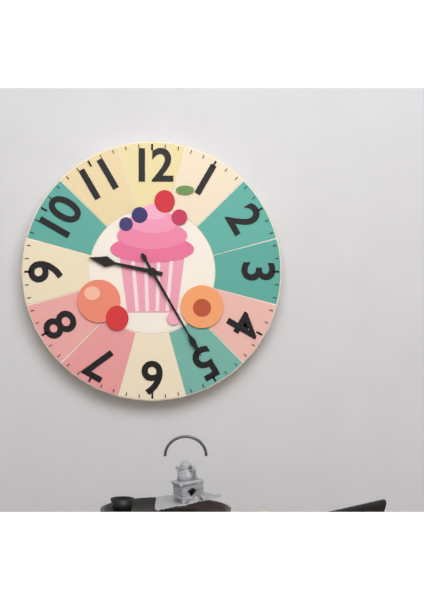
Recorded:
{"hour": 9, "minute": 25}
